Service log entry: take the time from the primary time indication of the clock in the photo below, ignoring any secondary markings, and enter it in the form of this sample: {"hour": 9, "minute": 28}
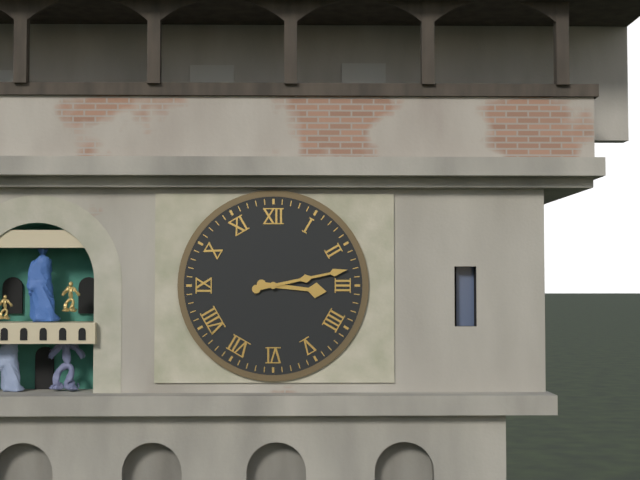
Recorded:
{"hour": 3, "minute": 13}
